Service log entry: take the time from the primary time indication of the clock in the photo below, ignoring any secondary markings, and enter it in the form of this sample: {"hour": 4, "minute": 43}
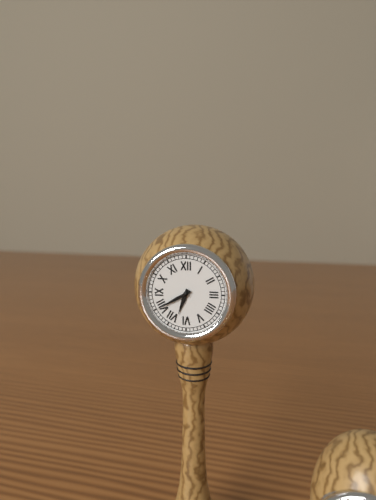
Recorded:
{"hour": 6, "minute": 40}
